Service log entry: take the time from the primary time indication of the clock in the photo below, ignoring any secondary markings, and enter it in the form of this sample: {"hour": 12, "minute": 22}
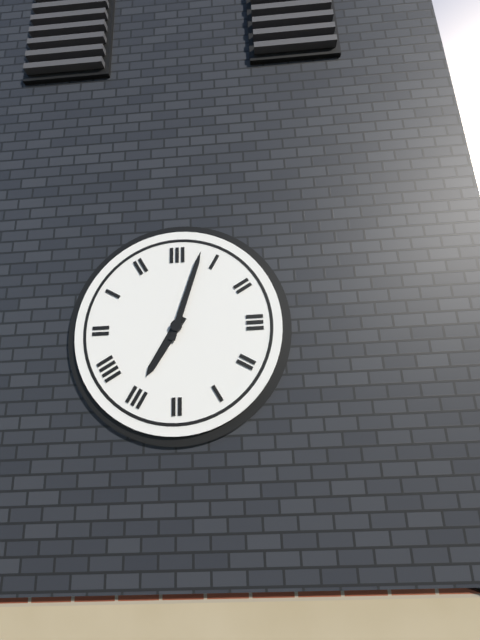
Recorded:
{"hour": 7, "minute": 3}
